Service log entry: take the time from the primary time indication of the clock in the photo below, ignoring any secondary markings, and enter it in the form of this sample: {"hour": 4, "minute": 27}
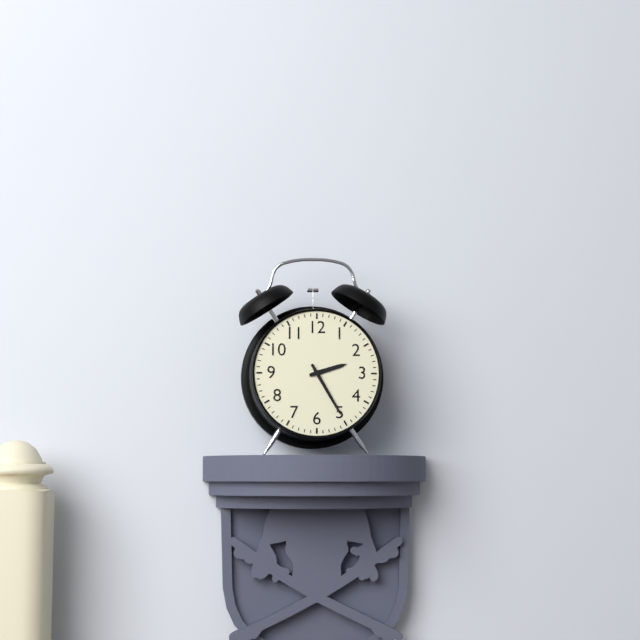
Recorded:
{"hour": 2, "minute": 25}
